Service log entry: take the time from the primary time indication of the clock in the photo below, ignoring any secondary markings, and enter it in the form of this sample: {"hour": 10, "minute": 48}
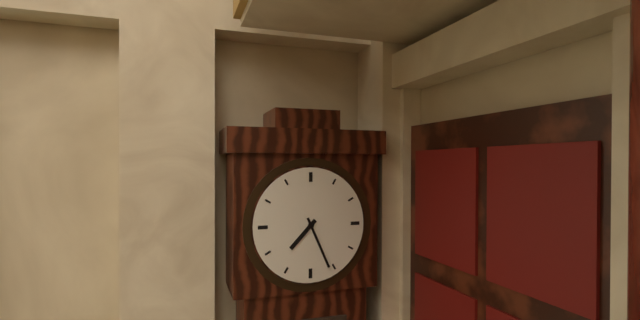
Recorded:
{"hour": 7, "minute": 26}
